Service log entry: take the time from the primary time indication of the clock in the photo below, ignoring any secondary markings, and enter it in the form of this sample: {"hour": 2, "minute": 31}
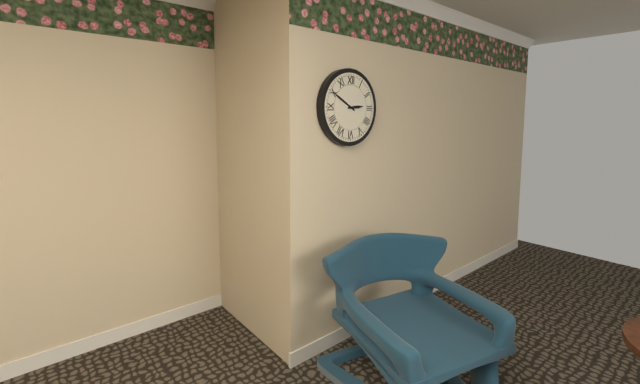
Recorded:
{"hour": 2, "minute": 50}
